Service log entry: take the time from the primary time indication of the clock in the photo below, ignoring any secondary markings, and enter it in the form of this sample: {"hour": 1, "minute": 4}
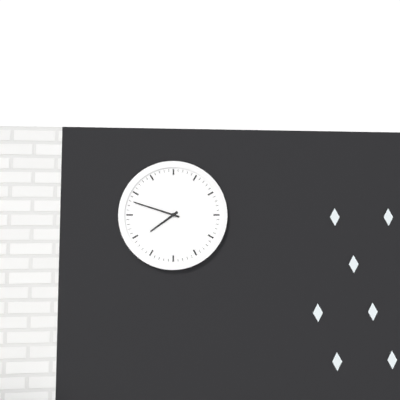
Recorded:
{"hour": 7, "minute": 48}
